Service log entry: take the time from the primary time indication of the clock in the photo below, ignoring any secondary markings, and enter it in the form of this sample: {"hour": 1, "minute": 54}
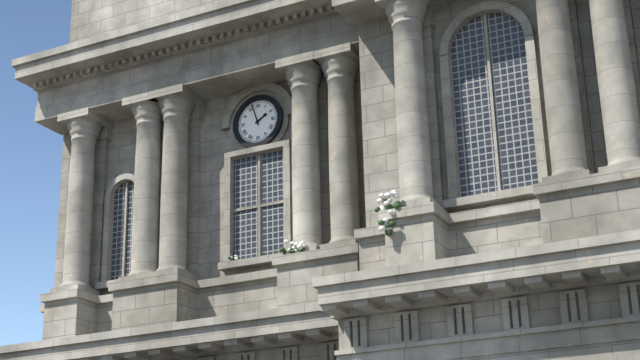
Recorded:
{"hour": 1, "minute": 57}
